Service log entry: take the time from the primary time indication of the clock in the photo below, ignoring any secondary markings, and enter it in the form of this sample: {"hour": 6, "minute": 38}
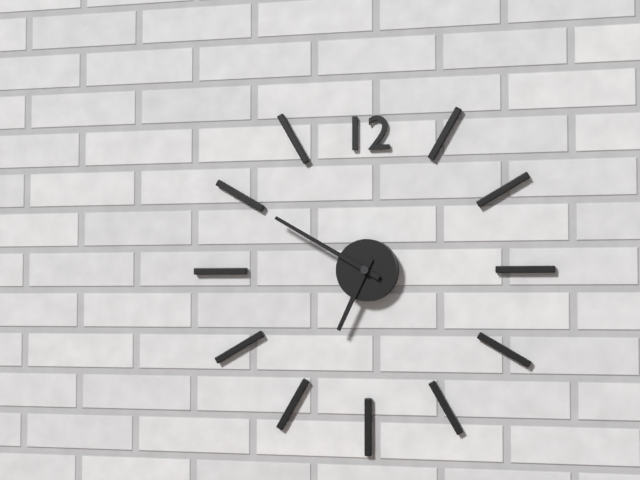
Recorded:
{"hour": 6, "minute": 50}
